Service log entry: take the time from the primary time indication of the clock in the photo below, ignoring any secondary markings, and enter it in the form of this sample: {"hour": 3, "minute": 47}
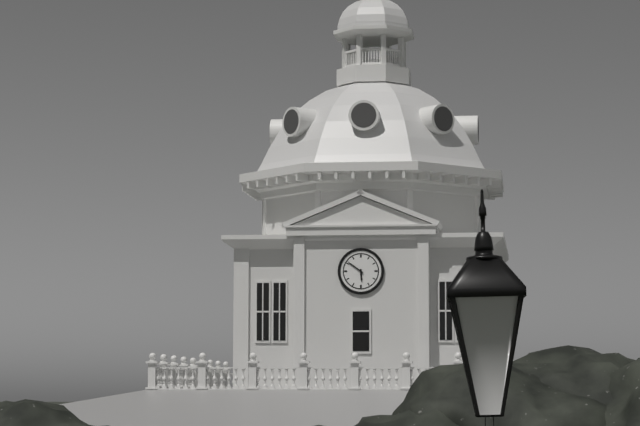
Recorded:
{"hour": 5, "minute": 51}
